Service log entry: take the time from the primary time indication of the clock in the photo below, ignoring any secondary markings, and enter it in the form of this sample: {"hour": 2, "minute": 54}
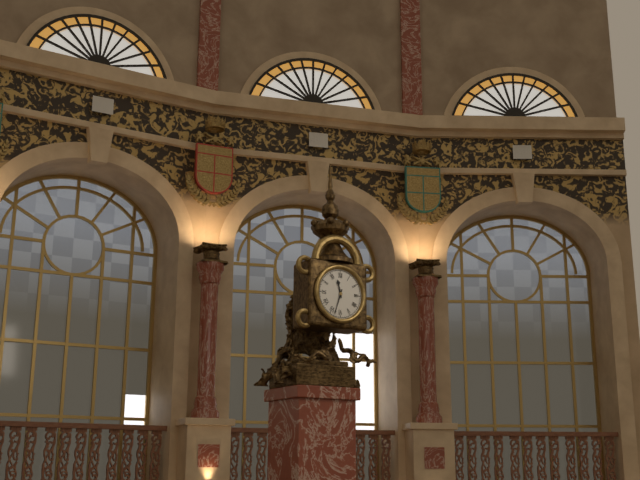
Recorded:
{"hour": 11, "minute": 33}
